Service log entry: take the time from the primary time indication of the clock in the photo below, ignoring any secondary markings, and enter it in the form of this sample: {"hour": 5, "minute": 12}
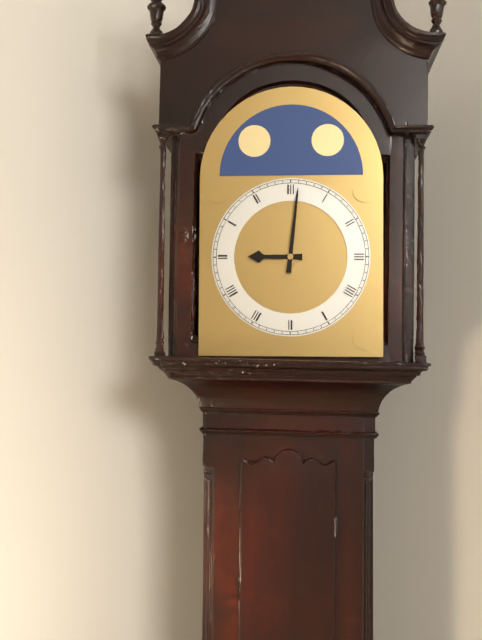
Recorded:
{"hour": 9, "minute": 1}
